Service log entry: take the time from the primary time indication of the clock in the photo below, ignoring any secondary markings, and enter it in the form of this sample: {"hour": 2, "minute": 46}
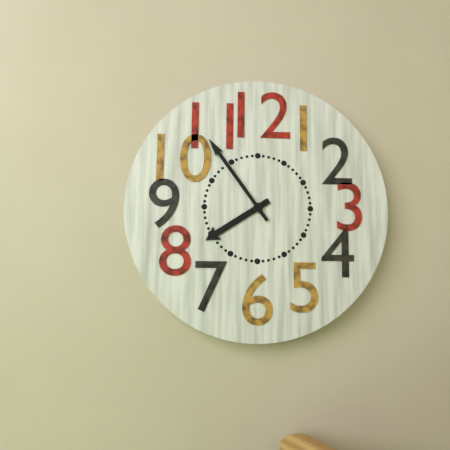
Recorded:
{"hour": 7, "minute": 54}
